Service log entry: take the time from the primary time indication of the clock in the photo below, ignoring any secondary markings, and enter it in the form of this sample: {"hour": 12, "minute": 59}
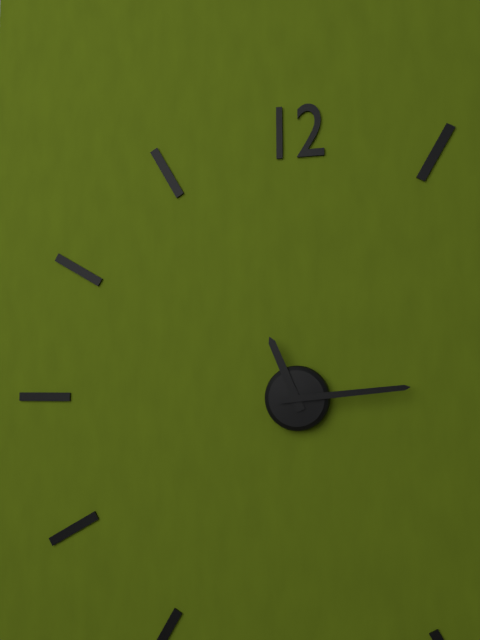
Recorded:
{"hour": 11, "minute": 14}
